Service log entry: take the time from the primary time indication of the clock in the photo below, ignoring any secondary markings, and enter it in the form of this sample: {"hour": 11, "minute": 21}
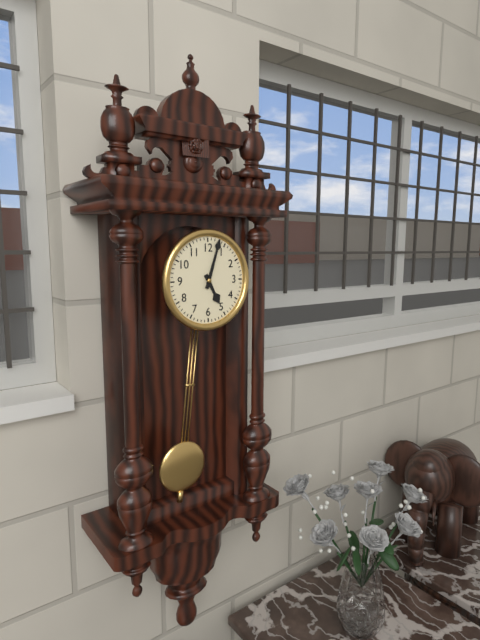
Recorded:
{"hour": 5, "minute": 3}
